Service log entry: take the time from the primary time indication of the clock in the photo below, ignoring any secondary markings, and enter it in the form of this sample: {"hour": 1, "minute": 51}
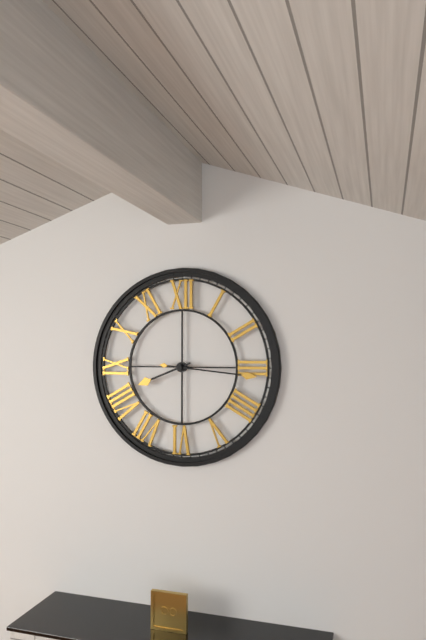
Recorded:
{"hour": 8, "minute": 16}
